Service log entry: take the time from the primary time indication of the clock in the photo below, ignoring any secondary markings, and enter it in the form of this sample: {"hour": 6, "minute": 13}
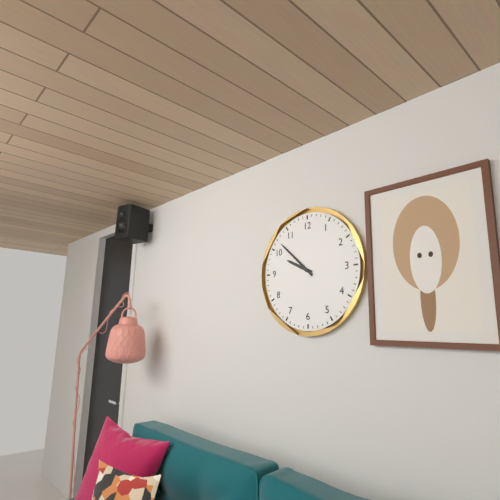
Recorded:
{"hour": 9, "minute": 52}
